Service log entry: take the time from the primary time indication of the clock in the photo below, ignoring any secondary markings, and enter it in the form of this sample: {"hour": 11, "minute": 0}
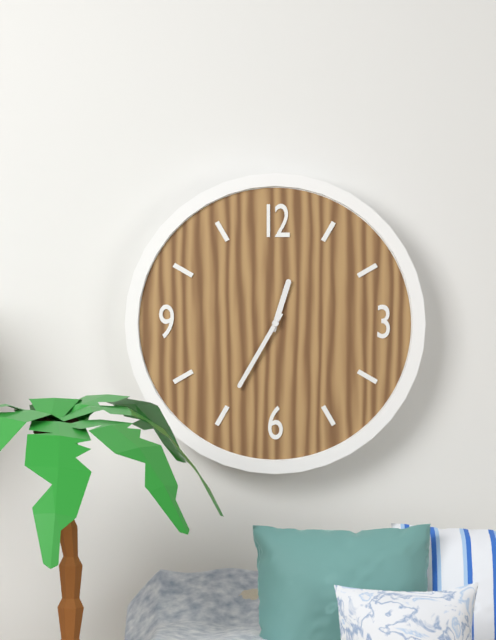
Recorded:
{"hour": 12, "minute": 35}
